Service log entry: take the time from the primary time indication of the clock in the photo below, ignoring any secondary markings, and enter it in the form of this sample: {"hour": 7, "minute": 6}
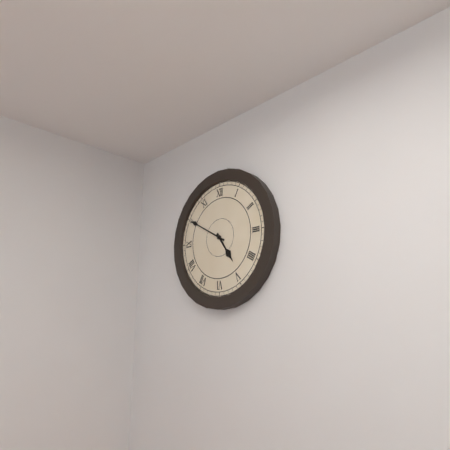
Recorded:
{"hour": 4, "minute": 50}
